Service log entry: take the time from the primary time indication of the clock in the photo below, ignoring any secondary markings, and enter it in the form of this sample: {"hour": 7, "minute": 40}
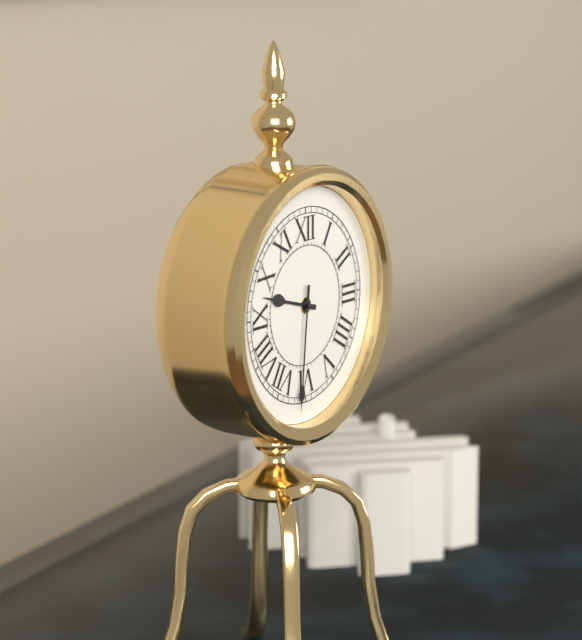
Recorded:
{"hour": 9, "minute": 31}
